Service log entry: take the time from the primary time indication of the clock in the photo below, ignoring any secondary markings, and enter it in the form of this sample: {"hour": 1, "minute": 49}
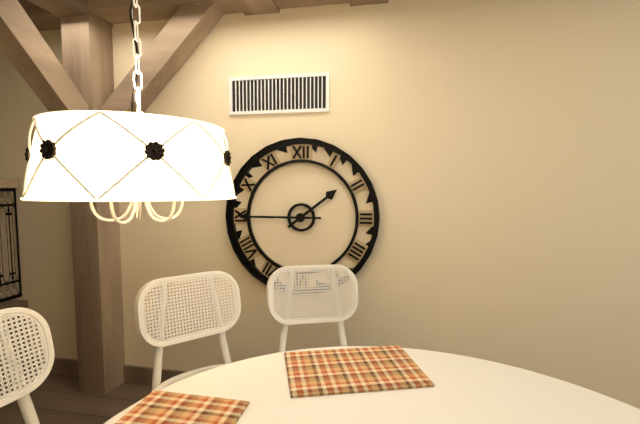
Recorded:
{"hour": 1, "minute": 45}
